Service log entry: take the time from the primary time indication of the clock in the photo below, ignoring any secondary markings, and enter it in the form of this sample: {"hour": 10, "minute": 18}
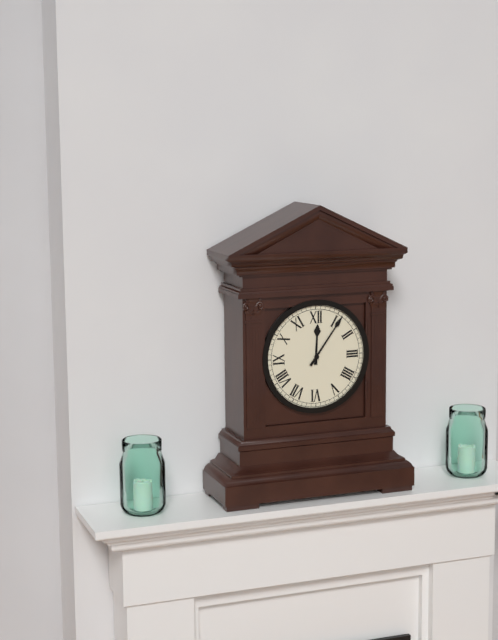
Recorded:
{"hour": 12, "minute": 6}
